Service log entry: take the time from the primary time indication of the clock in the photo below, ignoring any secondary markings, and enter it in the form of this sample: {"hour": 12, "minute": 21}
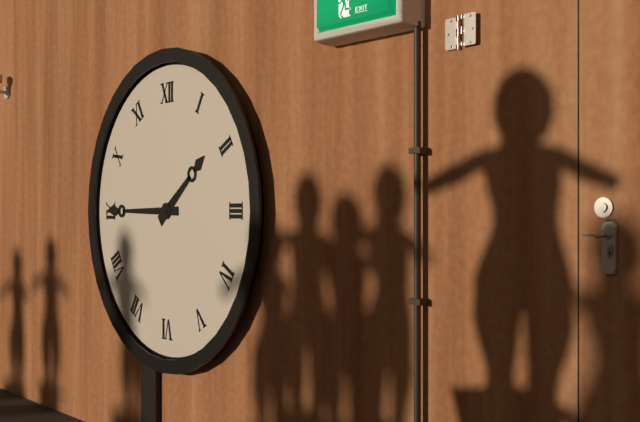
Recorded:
{"hour": 1, "minute": 45}
